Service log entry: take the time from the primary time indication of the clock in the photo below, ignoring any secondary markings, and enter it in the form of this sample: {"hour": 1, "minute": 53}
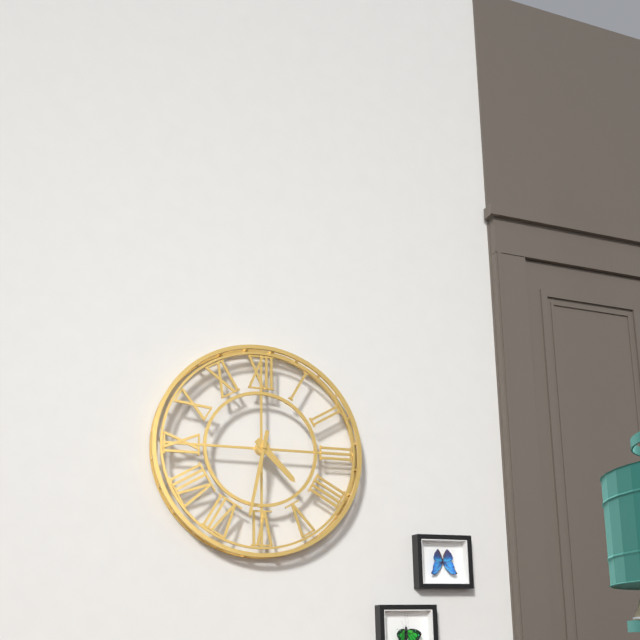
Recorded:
{"hour": 4, "minute": 32}
